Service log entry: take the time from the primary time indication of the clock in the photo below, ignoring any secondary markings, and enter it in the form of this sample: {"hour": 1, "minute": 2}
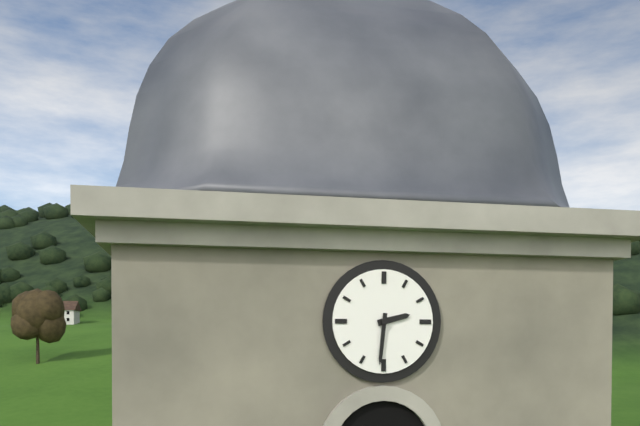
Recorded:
{"hour": 2, "minute": 31}
